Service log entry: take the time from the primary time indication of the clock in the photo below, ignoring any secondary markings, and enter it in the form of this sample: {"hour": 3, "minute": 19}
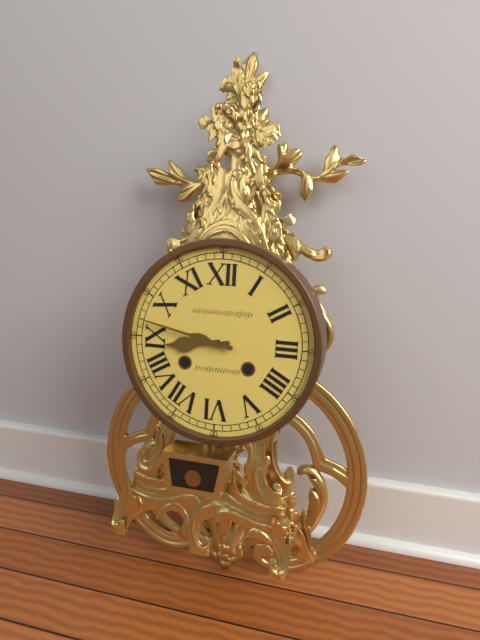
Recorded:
{"hour": 8, "minute": 47}
